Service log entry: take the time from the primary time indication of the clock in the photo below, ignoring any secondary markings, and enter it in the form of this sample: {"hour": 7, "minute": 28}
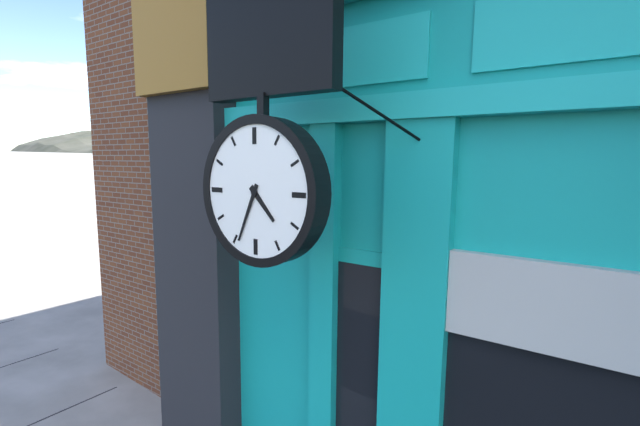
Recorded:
{"hour": 4, "minute": 34}
